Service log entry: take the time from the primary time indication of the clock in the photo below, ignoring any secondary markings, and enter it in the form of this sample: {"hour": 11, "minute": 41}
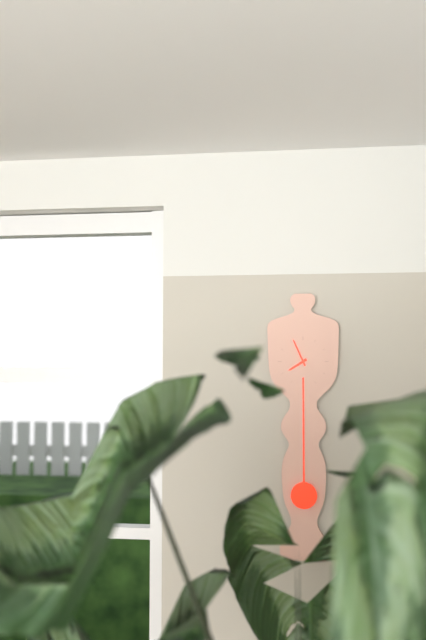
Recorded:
{"hour": 7, "minute": 56}
